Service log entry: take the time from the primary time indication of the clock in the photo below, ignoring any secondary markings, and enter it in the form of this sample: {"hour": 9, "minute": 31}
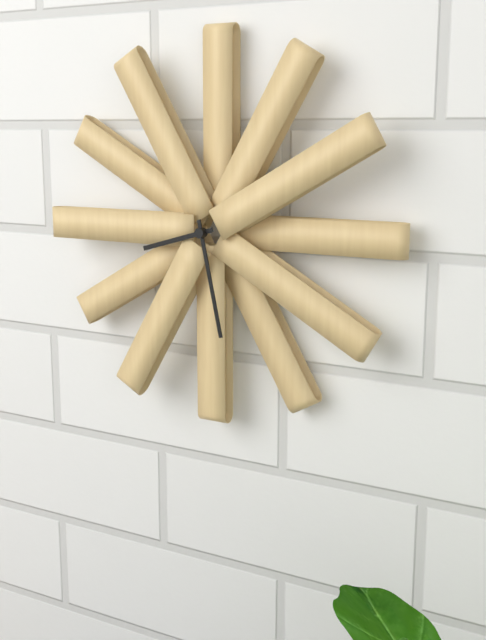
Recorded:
{"hour": 8, "minute": 28}
